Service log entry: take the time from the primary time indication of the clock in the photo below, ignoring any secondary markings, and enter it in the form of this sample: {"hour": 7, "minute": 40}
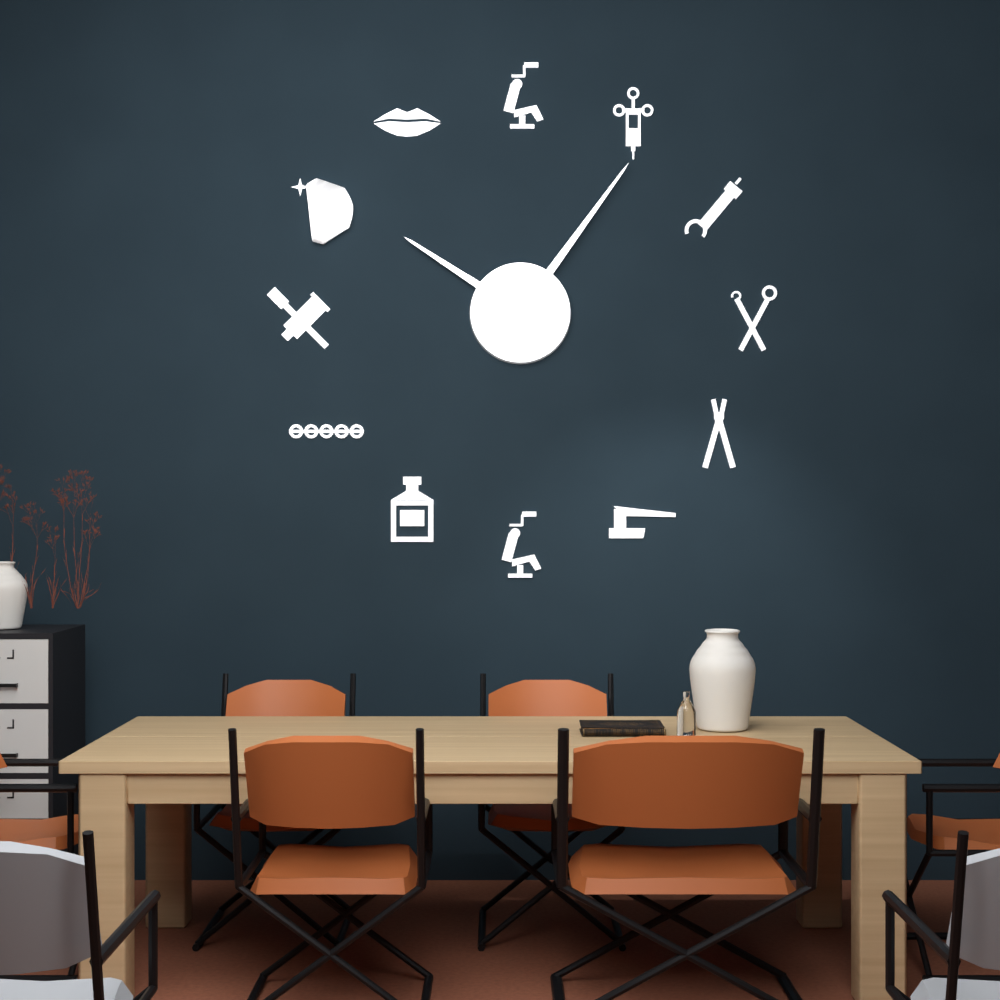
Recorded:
{"hour": 10, "minute": 6}
